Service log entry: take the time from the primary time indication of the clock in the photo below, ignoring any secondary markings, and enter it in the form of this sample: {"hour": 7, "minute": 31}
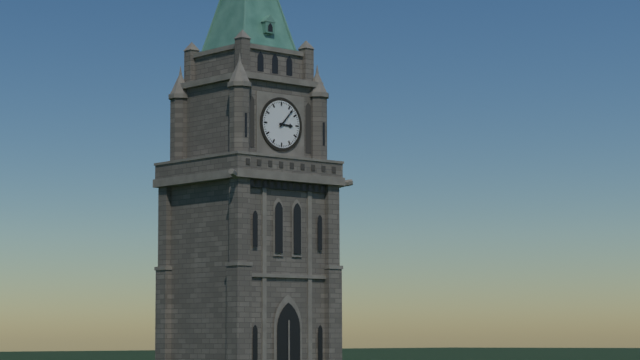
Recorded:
{"hour": 3, "minute": 7}
